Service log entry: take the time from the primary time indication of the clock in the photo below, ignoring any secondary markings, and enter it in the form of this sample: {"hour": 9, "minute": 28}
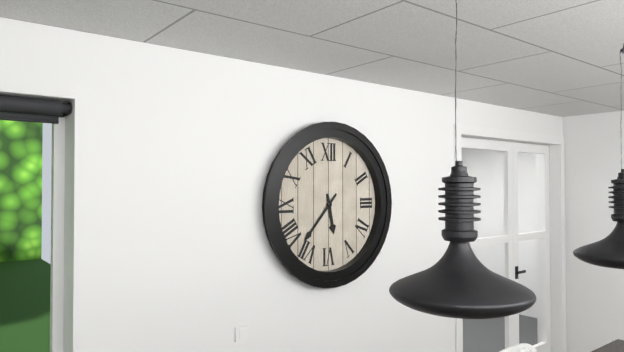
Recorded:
{"hour": 5, "minute": 37}
